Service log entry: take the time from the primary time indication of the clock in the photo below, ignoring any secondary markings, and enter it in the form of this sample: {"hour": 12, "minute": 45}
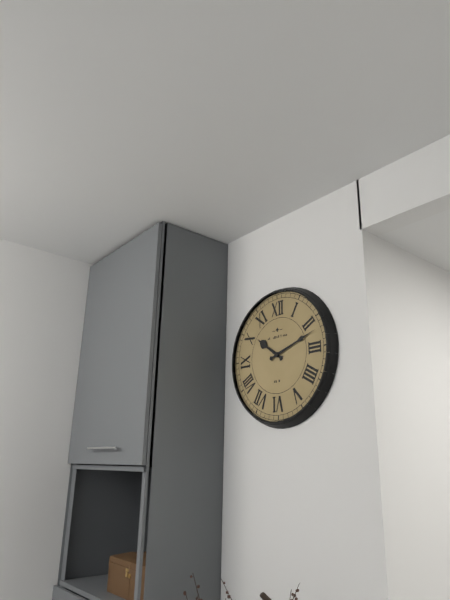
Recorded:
{"hour": 10, "minute": 12}
